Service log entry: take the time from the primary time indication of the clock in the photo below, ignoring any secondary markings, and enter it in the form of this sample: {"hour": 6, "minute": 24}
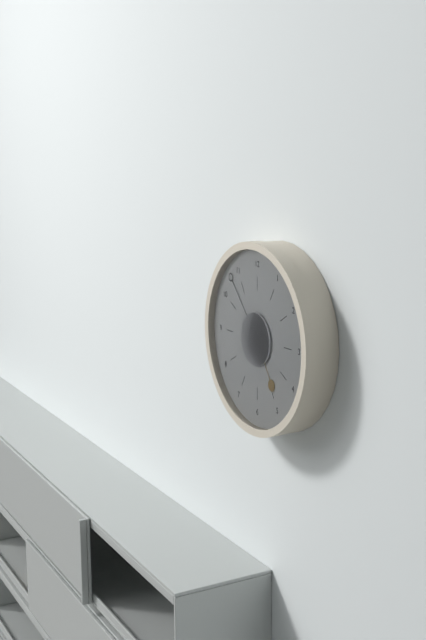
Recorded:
{"hour": 4, "minute": 53}
